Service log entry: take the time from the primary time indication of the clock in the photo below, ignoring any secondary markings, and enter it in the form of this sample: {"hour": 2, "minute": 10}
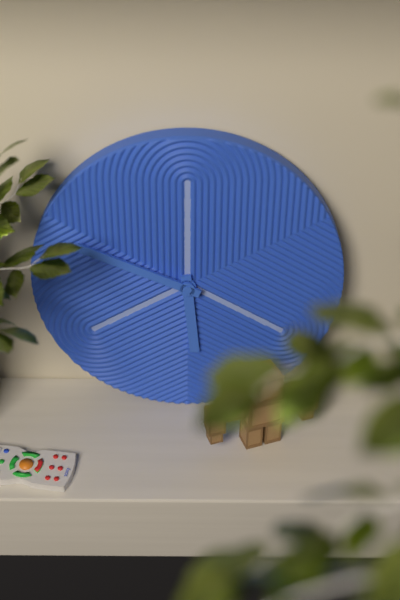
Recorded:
{"hour": 5, "minute": 49}
